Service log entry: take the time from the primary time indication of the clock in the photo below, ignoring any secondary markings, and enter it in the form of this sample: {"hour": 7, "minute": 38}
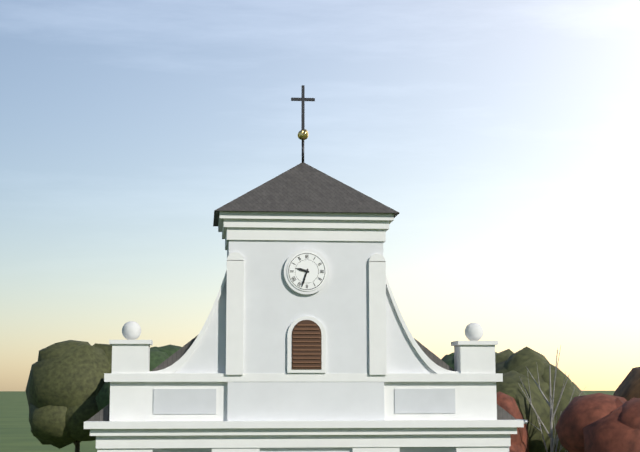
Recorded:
{"hour": 9, "minute": 33}
